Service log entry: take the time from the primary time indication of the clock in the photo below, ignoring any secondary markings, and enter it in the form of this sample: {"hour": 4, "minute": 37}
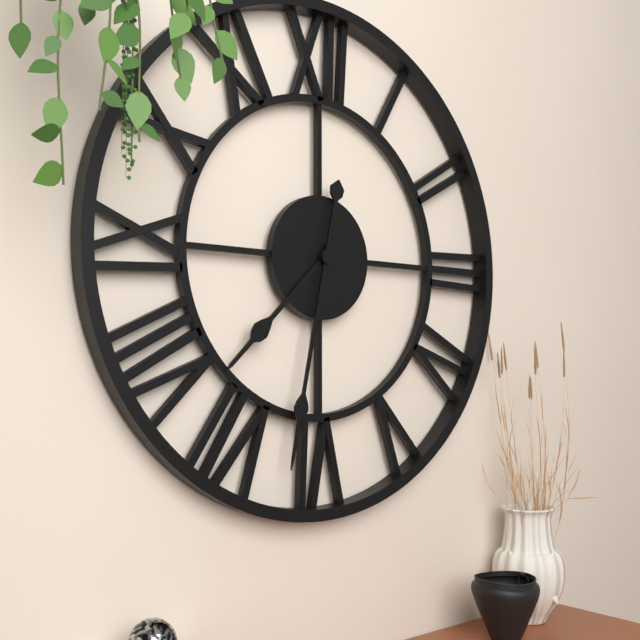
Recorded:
{"hour": 7, "minute": 32}
